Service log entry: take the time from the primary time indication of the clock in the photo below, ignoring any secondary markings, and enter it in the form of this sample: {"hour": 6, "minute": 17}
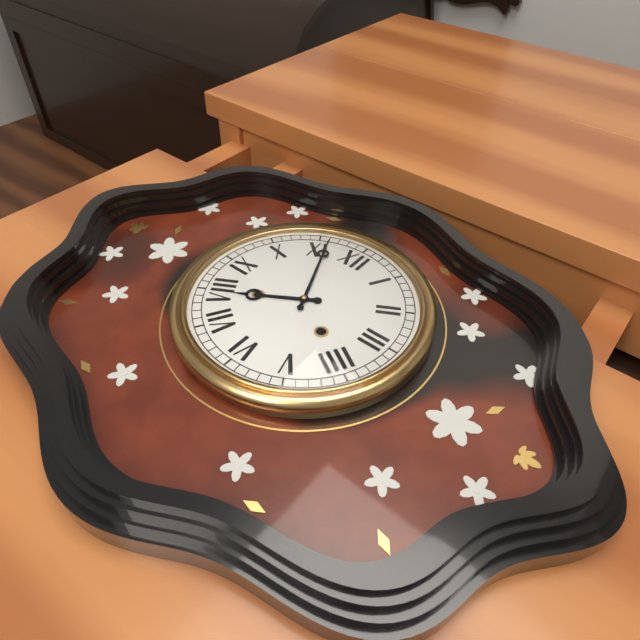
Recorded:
{"hour": 7, "minute": 56}
